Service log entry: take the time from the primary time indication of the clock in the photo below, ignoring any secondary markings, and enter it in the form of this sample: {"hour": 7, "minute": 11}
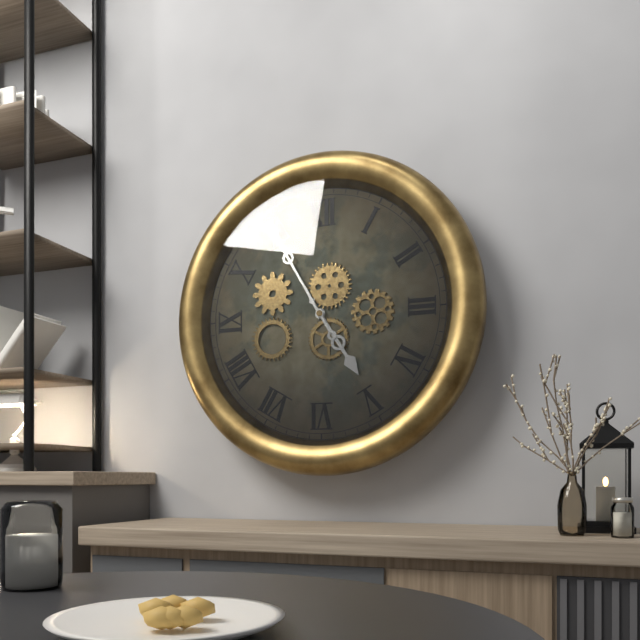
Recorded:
{"hour": 4, "minute": 55}
